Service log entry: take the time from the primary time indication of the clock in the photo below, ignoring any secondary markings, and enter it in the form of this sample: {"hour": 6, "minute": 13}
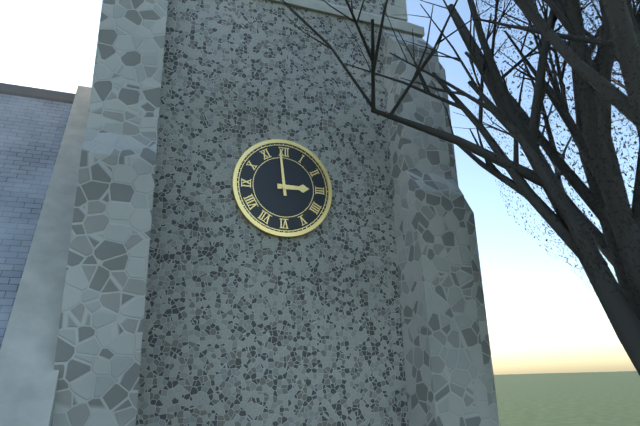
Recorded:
{"hour": 2, "minute": 59}
